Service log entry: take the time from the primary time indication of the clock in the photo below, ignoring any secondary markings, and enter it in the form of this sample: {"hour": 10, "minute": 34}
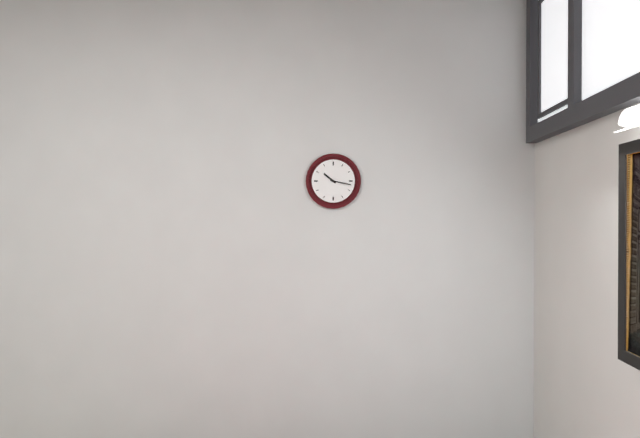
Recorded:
{"hour": 10, "minute": 17}
